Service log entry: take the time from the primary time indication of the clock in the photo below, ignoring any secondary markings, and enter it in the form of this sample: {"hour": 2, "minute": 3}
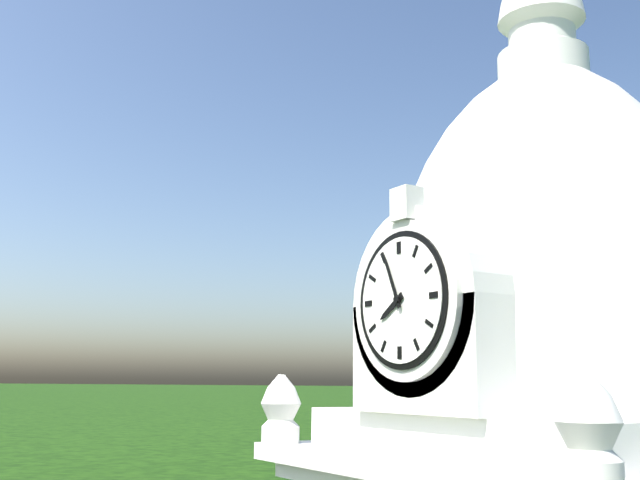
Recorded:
{"hour": 7, "minute": 56}
